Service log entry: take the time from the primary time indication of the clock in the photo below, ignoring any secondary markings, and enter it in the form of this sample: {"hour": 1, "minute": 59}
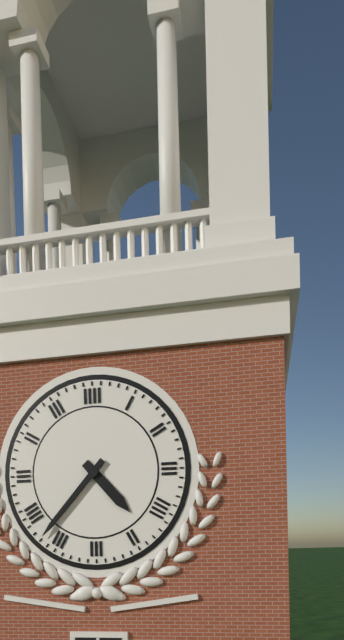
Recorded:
{"hour": 4, "minute": 37}
